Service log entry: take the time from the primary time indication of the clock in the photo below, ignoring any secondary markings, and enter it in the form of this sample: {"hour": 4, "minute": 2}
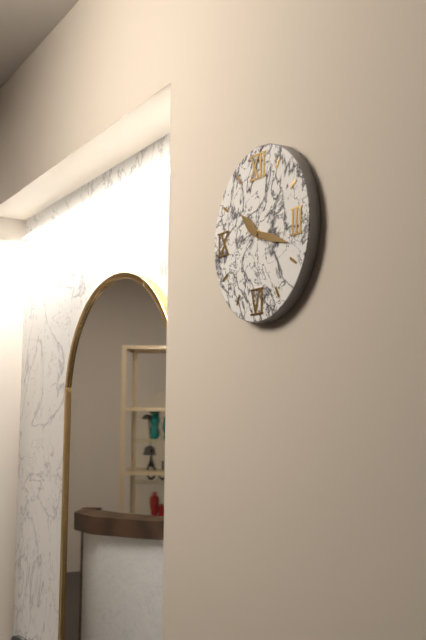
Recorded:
{"hour": 10, "minute": 18}
